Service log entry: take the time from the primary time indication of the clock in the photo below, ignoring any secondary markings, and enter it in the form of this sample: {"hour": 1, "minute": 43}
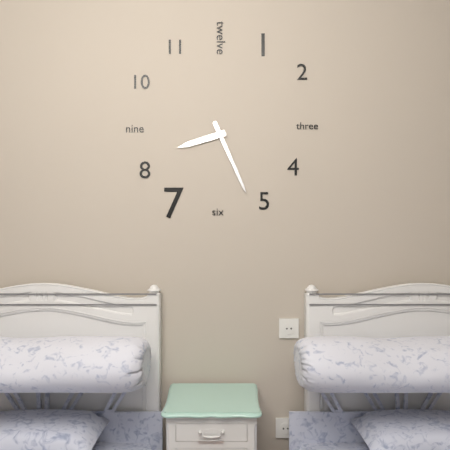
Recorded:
{"hour": 8, "minute": 26}
